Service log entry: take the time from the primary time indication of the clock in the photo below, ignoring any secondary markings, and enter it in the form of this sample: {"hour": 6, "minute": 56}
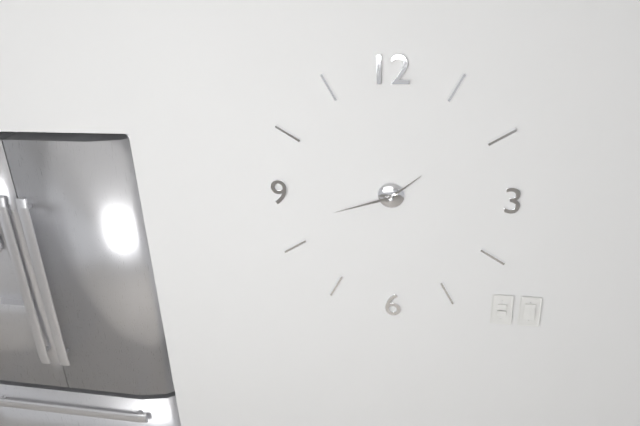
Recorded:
{"hour": 1, "minute": 42}
